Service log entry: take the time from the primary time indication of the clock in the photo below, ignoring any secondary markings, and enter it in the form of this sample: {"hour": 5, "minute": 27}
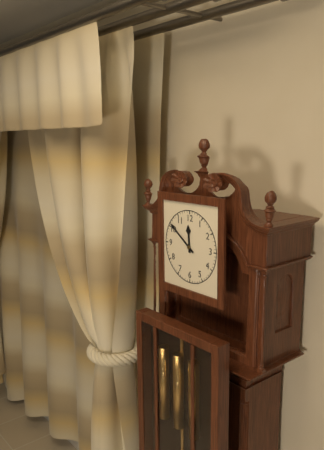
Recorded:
{"hour": 11, "minute": 51}
